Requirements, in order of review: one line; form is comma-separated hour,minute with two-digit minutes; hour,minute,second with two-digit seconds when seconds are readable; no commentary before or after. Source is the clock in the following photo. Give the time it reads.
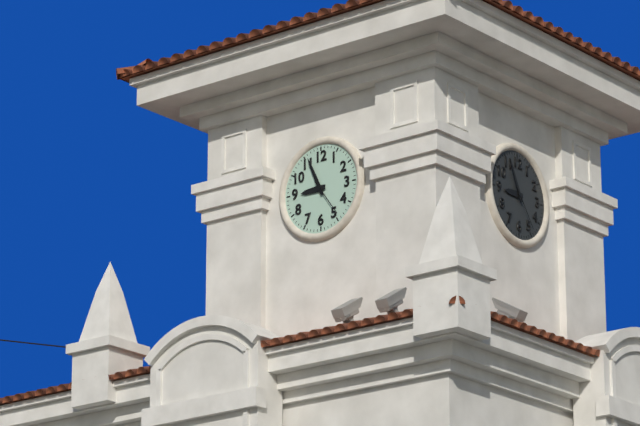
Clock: 8,56
